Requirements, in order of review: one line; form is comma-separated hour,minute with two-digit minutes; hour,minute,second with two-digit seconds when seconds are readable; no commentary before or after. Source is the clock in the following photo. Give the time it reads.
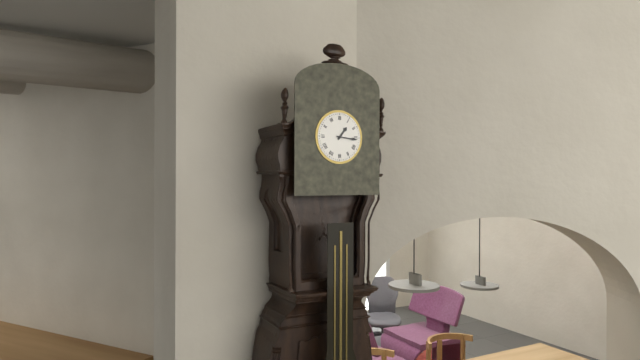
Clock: 1,16
